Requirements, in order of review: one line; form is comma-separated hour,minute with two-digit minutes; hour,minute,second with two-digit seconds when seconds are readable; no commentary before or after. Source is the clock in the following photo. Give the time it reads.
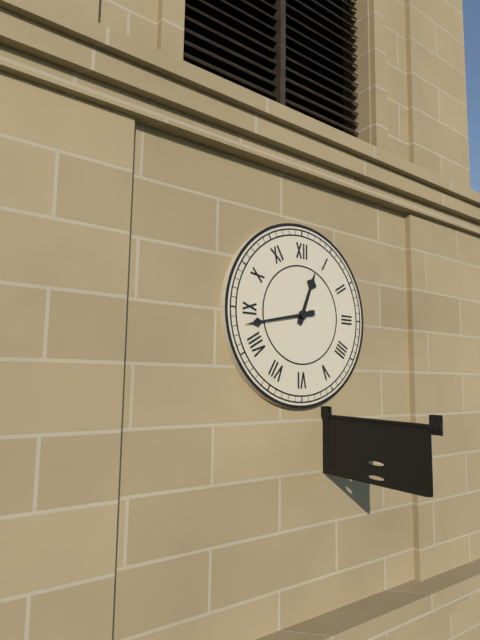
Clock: 12,43
